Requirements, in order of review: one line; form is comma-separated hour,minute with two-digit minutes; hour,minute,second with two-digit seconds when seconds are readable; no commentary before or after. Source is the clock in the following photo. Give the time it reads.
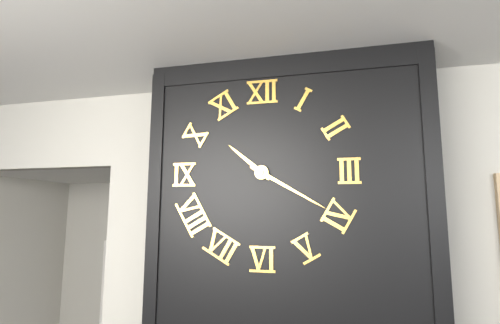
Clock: 10,20
